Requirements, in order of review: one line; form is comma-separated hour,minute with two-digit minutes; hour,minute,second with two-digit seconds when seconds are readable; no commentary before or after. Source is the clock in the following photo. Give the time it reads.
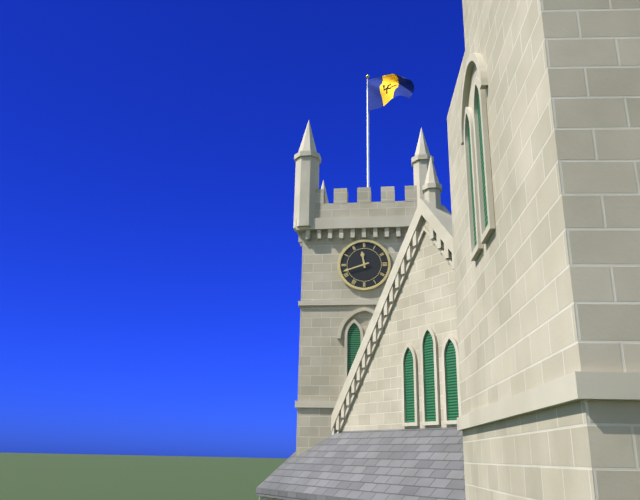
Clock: 11,42
